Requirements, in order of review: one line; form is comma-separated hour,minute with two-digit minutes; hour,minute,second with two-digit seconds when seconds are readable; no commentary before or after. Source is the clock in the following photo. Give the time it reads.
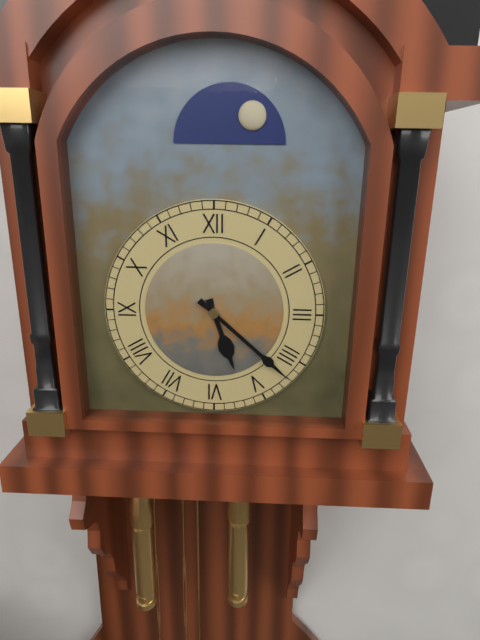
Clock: 5,22
